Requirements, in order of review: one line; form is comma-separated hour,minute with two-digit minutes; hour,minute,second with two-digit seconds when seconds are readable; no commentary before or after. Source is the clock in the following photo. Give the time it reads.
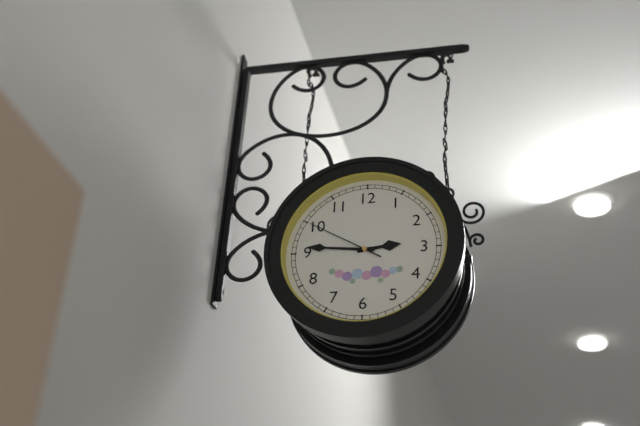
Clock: 2,46,50
